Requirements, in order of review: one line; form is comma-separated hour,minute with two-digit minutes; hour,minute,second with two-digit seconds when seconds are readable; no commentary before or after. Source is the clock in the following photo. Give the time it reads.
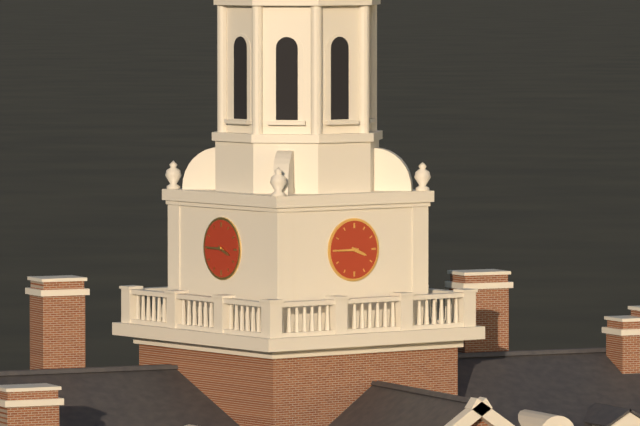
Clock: 3,45
